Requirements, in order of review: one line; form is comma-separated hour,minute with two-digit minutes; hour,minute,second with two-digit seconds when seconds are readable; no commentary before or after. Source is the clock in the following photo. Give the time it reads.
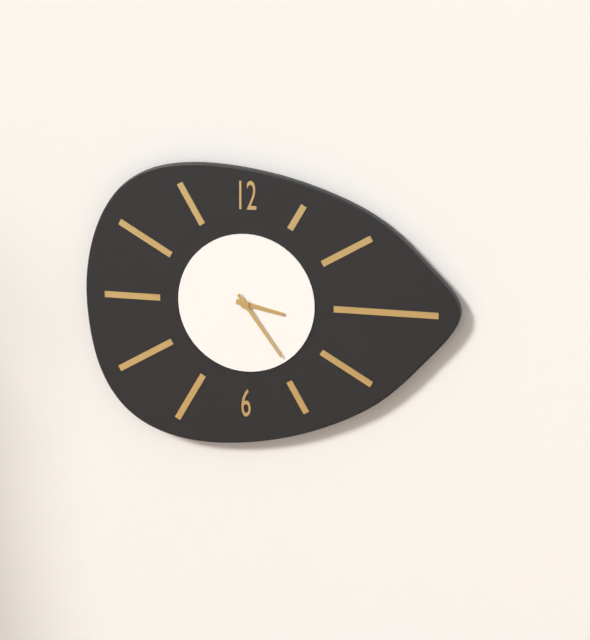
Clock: 3,24
